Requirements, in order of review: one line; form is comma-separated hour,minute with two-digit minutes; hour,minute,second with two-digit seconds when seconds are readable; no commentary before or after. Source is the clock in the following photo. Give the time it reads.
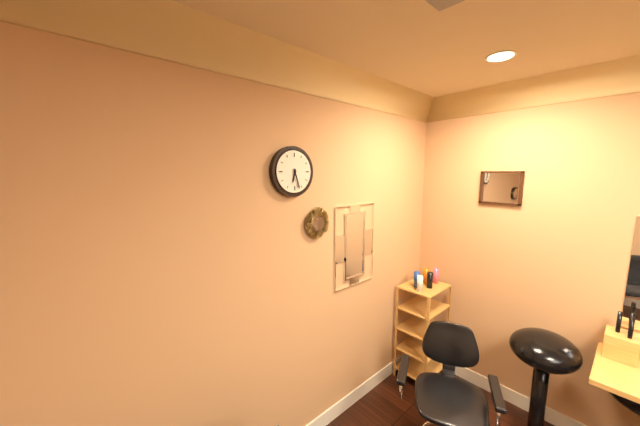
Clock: 6,27
